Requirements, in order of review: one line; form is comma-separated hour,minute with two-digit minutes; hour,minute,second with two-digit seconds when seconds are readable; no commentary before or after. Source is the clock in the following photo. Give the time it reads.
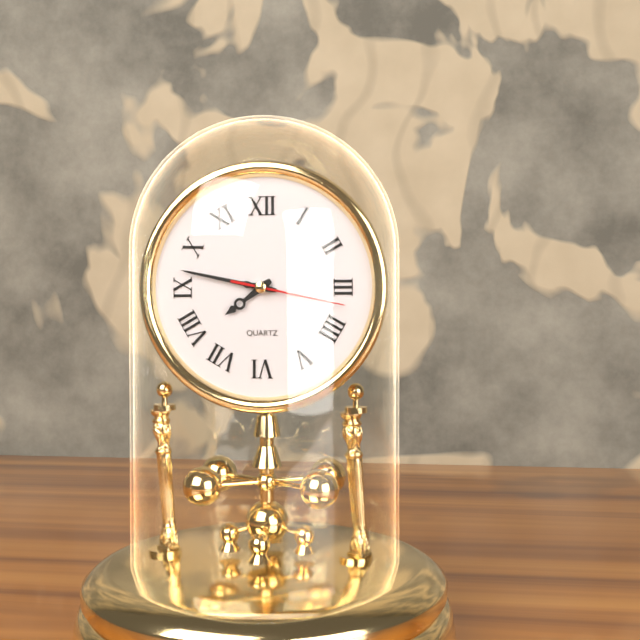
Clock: 7,47,17
